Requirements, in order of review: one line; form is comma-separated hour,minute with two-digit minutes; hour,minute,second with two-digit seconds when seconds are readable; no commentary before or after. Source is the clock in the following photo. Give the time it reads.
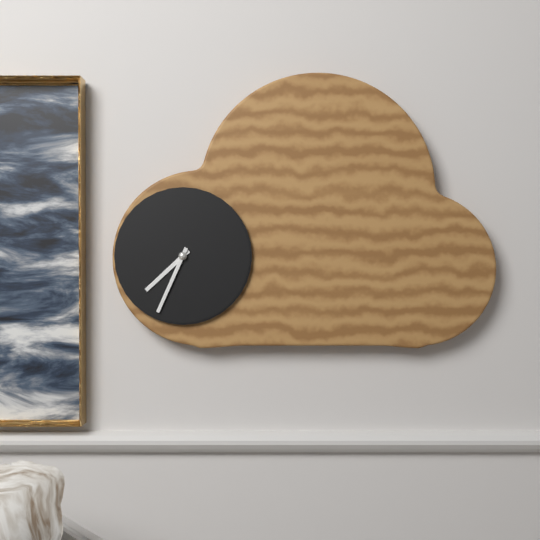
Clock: 7,34
